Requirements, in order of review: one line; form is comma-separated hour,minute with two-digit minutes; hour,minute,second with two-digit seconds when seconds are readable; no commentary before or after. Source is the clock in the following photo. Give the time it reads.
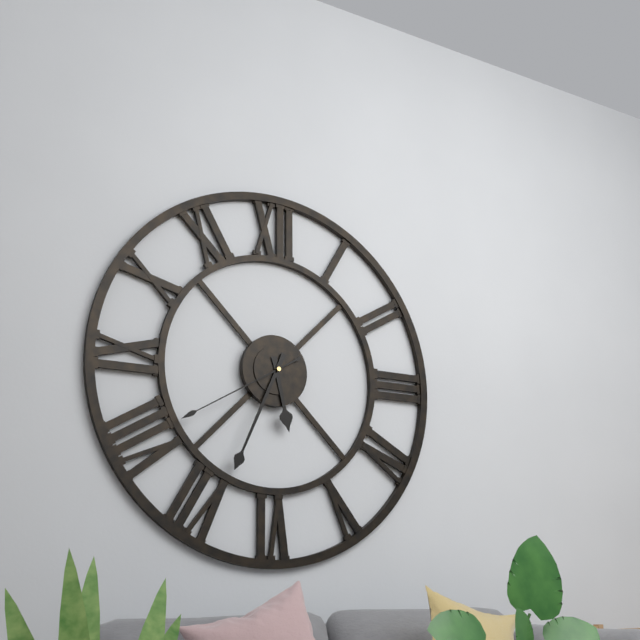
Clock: 5,34,40
